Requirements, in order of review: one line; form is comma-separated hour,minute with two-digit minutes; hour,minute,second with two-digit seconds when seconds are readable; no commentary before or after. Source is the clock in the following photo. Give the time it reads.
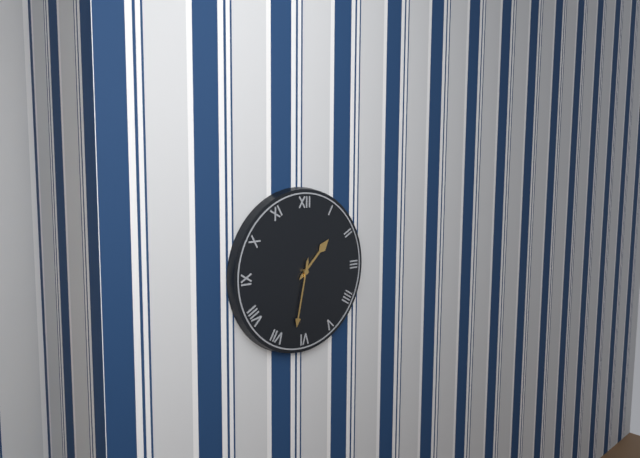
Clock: 1,32
